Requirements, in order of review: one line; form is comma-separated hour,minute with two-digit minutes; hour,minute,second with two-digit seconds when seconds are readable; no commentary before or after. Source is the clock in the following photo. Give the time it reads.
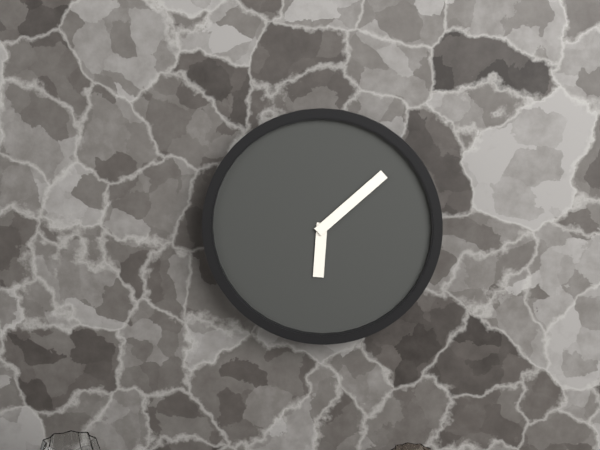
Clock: 6,08
